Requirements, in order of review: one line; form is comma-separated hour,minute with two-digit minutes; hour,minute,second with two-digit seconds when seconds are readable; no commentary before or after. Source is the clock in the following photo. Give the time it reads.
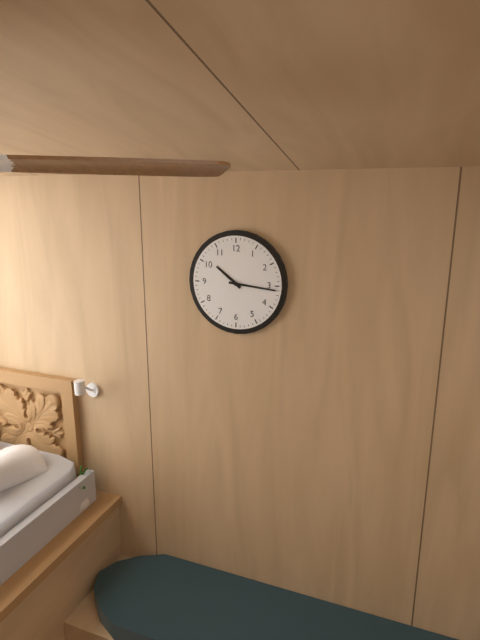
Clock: 10,16
